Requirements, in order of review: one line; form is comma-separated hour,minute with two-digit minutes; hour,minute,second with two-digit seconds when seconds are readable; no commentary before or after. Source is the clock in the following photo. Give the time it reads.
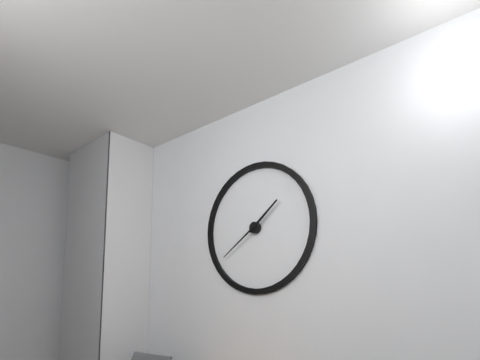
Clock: 1,39
